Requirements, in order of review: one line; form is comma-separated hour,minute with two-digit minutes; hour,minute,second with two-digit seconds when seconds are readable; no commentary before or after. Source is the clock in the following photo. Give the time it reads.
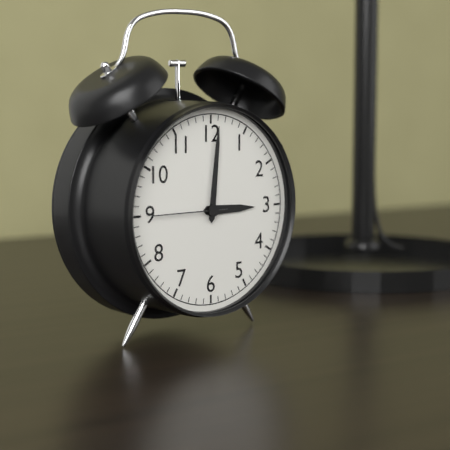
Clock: 3,01,45
